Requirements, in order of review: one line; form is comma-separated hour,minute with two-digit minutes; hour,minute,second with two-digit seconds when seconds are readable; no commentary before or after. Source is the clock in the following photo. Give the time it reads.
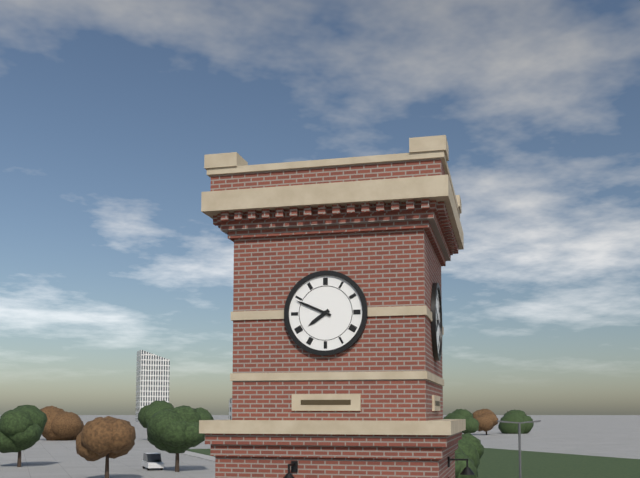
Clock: 7,49
